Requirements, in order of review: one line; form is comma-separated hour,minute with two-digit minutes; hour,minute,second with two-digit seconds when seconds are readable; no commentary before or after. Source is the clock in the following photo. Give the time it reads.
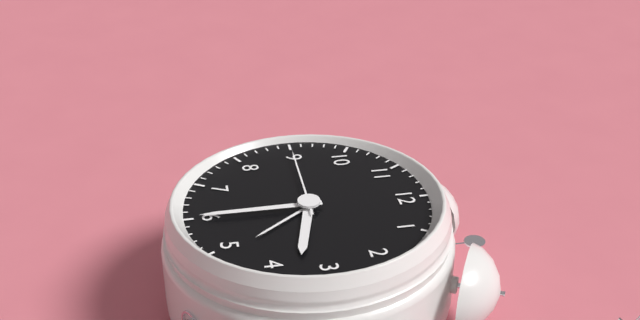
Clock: 3,30,45
